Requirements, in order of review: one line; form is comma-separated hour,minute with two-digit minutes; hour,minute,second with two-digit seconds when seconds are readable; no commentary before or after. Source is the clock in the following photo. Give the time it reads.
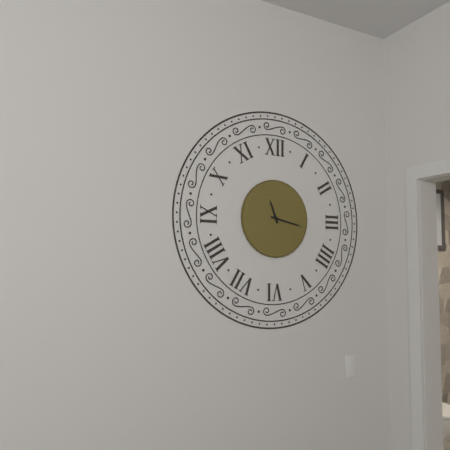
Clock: 11,17
